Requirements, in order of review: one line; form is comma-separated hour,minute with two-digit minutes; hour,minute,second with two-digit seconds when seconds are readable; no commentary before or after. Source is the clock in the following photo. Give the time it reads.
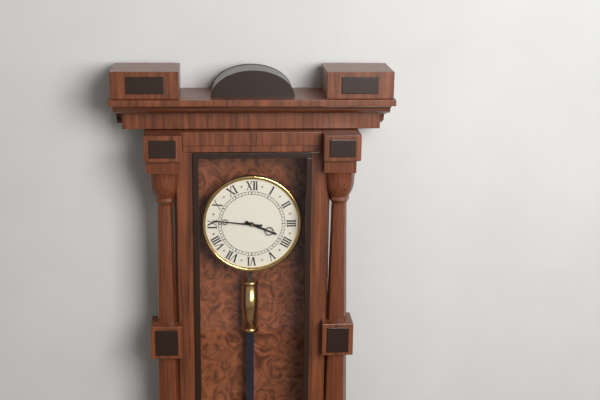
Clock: 3,46
